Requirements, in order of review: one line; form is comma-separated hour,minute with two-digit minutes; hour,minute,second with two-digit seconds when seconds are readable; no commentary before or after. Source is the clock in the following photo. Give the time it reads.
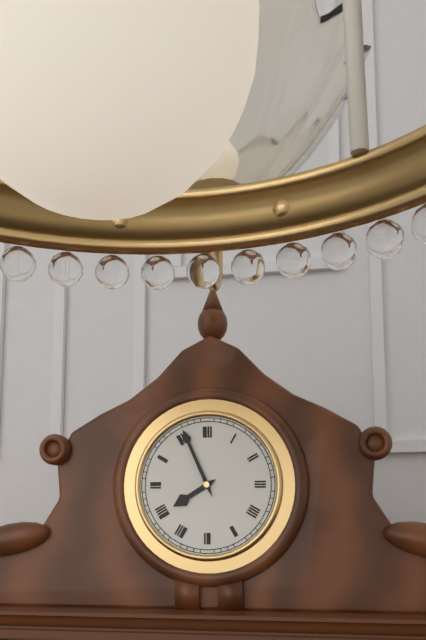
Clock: 7,56
